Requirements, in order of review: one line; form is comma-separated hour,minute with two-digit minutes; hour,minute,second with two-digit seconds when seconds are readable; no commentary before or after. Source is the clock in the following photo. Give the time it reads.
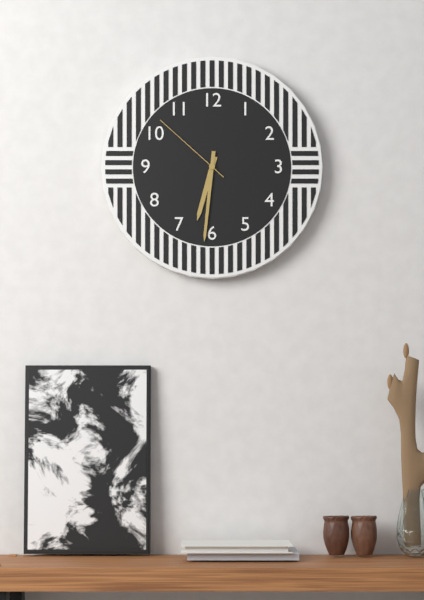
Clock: 6,31,52
